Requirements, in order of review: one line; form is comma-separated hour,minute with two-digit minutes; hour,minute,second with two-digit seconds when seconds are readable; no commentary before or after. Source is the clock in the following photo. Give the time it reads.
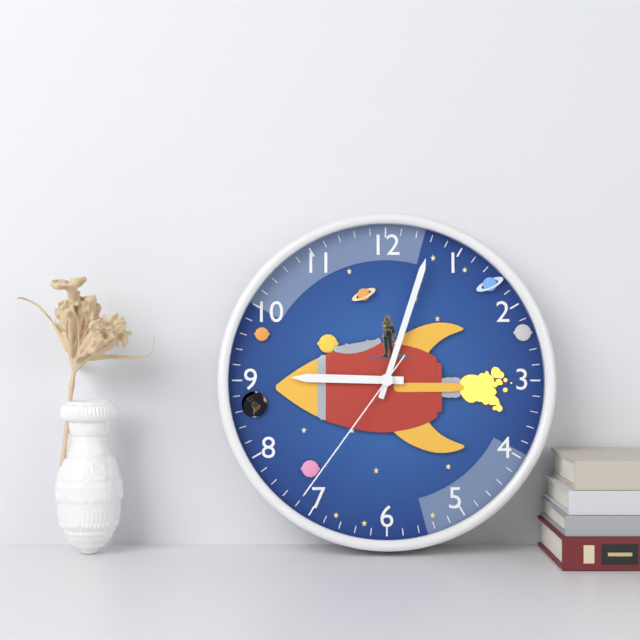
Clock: 9,03,36
